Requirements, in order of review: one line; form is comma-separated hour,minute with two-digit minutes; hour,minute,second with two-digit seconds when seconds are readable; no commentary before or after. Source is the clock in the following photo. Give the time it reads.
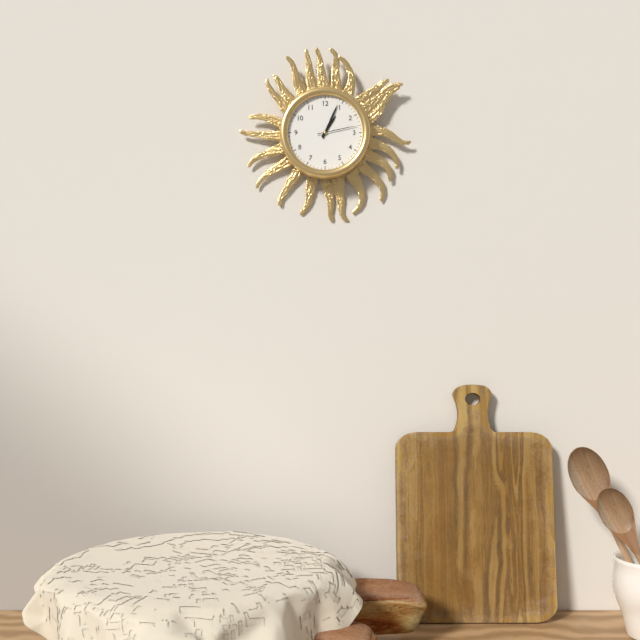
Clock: 1,04
